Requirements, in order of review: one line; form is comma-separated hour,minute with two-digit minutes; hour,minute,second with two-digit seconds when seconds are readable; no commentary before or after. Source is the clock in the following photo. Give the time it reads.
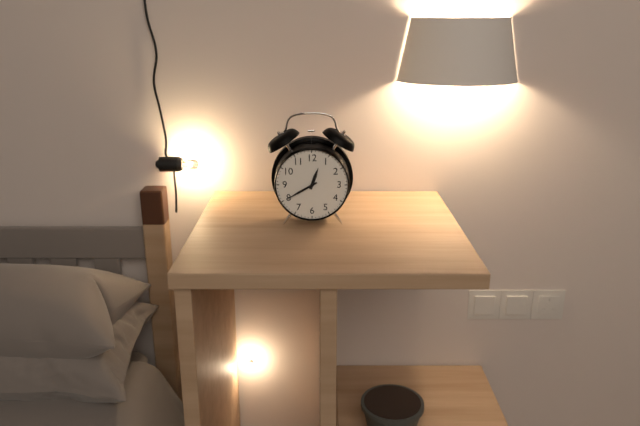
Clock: 12,40
